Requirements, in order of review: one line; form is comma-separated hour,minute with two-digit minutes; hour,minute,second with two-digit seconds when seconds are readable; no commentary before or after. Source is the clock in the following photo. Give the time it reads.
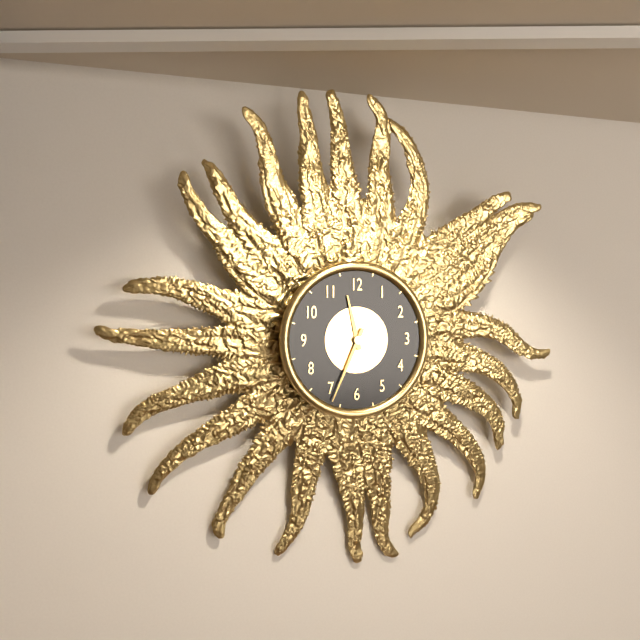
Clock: 11,34
